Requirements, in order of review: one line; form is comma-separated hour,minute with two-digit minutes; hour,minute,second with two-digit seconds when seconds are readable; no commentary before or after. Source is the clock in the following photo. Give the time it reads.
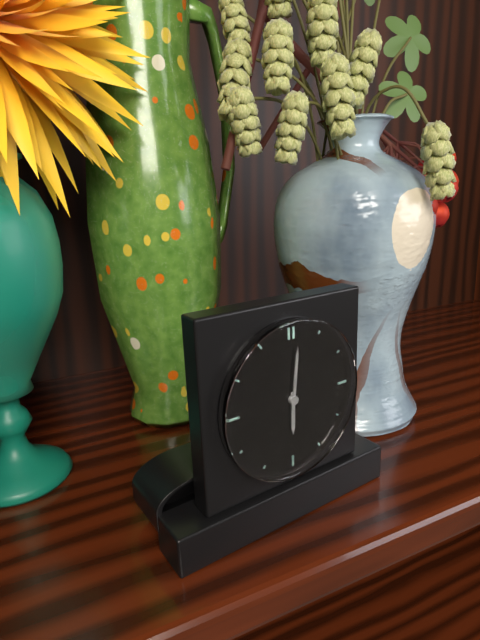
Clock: 6,01
